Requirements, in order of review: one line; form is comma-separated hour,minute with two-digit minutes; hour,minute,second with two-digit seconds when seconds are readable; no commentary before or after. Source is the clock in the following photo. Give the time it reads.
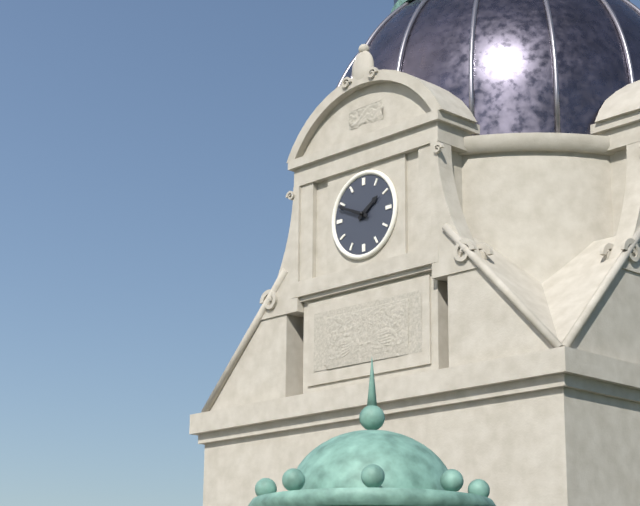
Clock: 1,49
